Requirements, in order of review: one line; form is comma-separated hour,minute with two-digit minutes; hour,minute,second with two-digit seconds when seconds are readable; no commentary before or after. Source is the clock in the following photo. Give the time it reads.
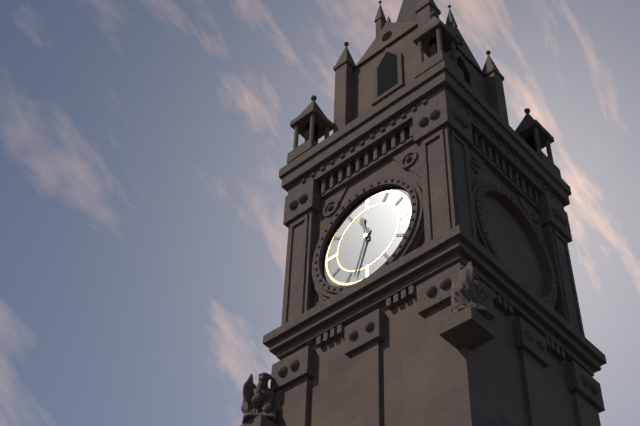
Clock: 11,33
